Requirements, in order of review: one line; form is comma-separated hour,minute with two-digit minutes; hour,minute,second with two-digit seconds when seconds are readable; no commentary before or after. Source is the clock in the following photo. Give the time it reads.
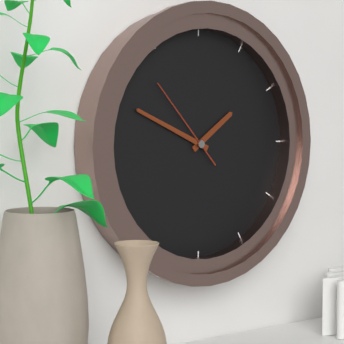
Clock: 1,49,53
